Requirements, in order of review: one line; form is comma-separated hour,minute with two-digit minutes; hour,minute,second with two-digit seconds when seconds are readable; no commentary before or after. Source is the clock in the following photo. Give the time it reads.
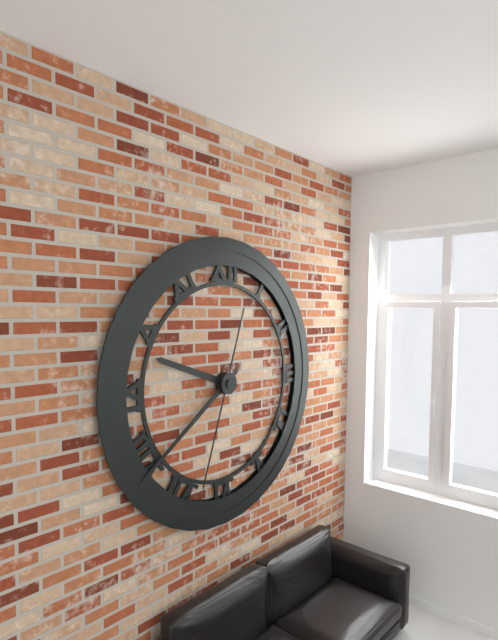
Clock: 9,39,33
